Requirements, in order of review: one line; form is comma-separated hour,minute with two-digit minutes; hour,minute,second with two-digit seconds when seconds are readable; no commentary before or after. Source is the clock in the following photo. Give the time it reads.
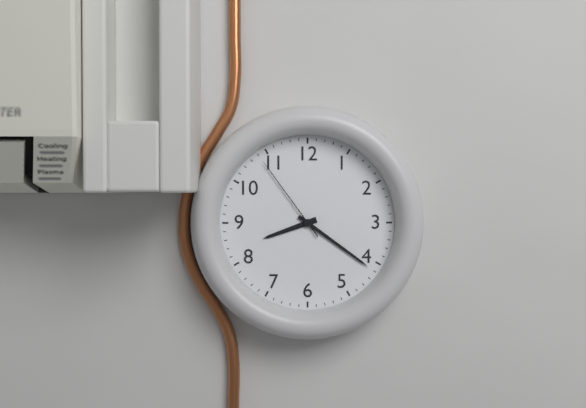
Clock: 8,21,54
